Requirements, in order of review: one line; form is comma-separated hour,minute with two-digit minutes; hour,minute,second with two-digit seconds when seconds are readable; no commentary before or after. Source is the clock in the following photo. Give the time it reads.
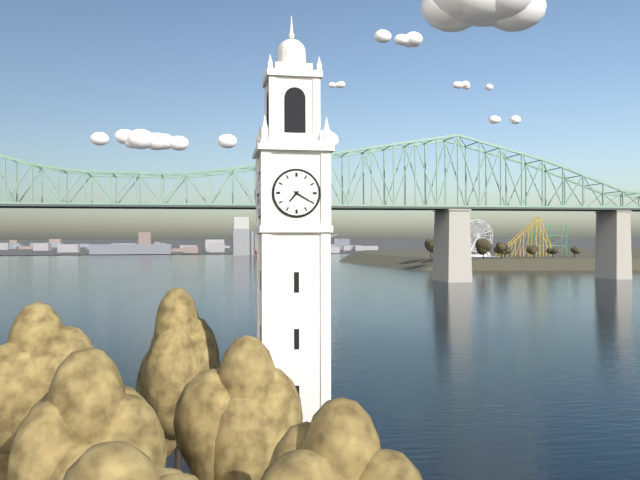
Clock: 7,20
